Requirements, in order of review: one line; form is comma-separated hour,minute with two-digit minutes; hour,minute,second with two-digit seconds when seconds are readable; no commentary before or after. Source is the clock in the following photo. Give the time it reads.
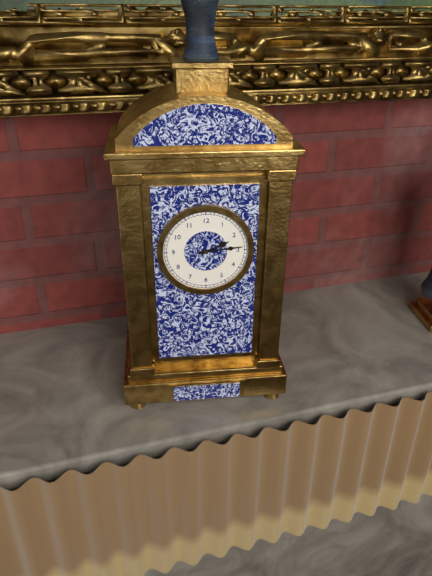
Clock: 2,14
